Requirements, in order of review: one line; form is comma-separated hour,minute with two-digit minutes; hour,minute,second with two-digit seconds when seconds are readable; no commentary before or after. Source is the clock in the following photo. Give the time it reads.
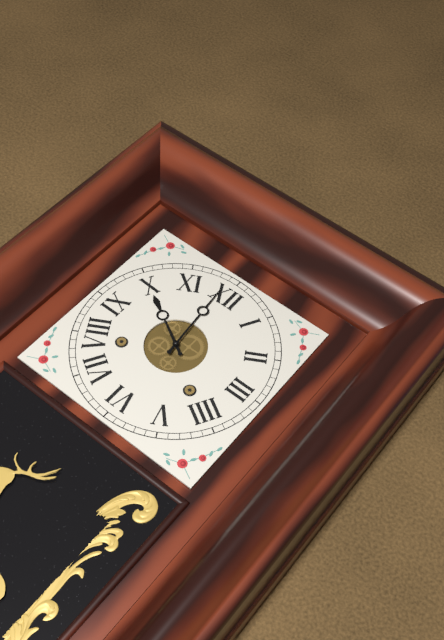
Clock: 9,59
